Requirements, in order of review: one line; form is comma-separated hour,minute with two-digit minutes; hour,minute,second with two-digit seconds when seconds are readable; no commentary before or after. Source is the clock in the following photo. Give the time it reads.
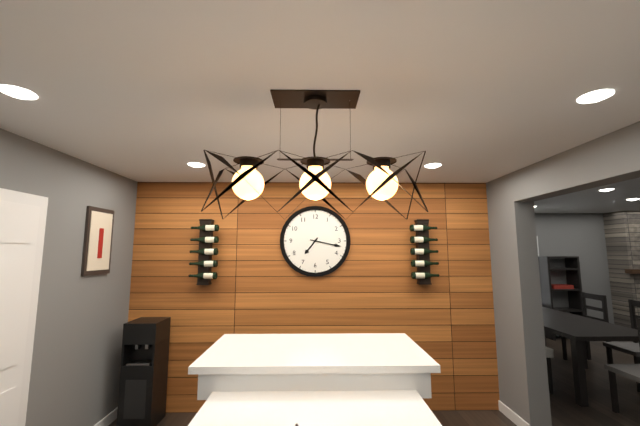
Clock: 7,17
